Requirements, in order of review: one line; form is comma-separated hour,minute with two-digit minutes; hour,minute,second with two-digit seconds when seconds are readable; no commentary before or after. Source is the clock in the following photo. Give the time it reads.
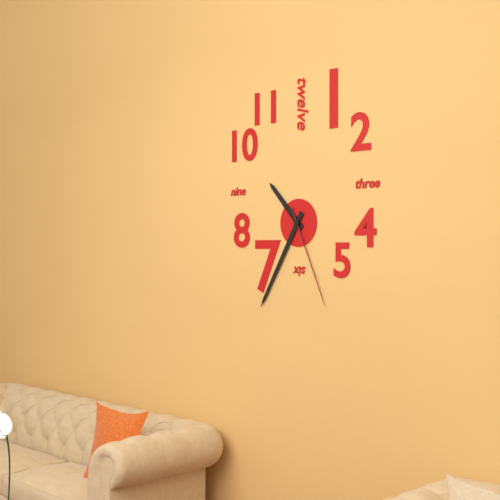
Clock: 10,35,26
